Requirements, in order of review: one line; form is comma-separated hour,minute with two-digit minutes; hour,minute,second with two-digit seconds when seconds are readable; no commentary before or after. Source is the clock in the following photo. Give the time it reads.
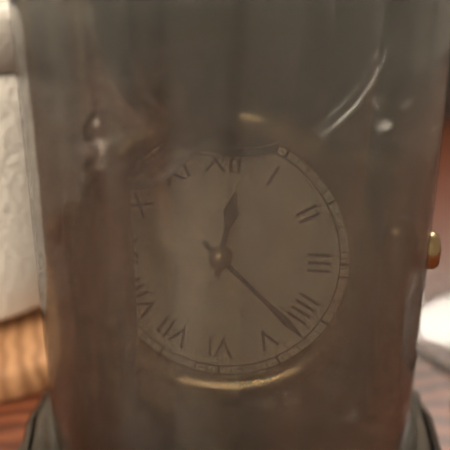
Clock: 12,22
